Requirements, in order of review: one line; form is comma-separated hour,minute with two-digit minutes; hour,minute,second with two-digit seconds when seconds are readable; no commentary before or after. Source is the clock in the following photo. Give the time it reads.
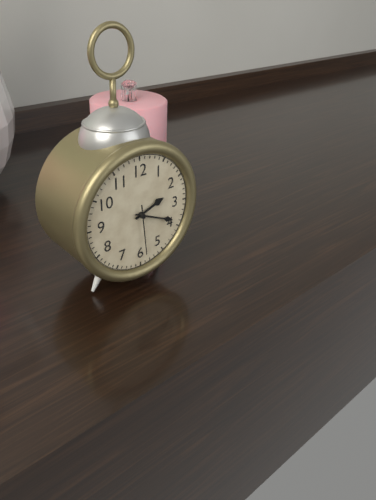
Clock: 2,19
